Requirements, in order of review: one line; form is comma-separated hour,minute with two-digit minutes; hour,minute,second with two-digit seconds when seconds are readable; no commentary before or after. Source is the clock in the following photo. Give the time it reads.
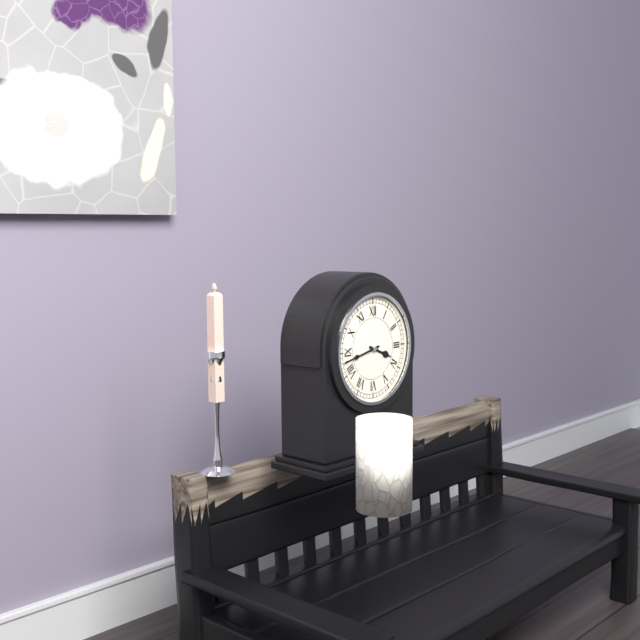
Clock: 3,43
